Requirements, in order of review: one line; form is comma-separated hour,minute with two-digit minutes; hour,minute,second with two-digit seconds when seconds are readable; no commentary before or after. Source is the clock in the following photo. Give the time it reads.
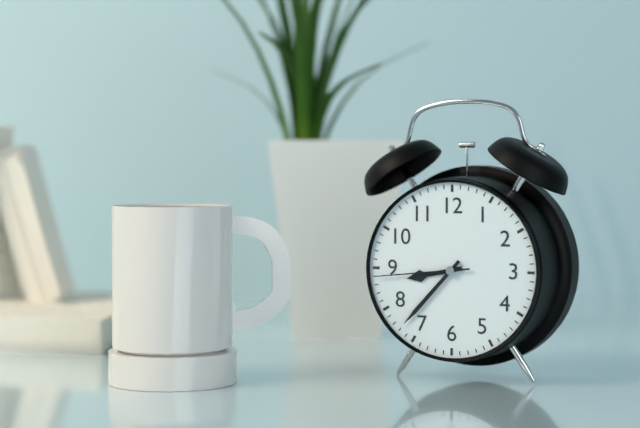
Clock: 8,37,44
